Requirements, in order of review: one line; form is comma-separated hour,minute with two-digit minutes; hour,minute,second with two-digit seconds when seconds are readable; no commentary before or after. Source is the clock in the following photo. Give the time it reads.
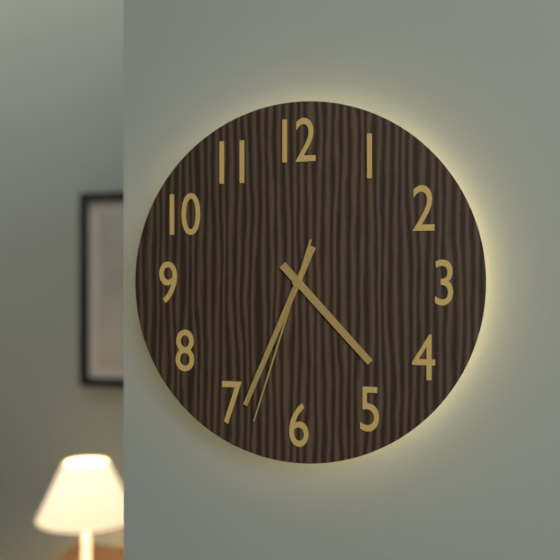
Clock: 4,34,33
